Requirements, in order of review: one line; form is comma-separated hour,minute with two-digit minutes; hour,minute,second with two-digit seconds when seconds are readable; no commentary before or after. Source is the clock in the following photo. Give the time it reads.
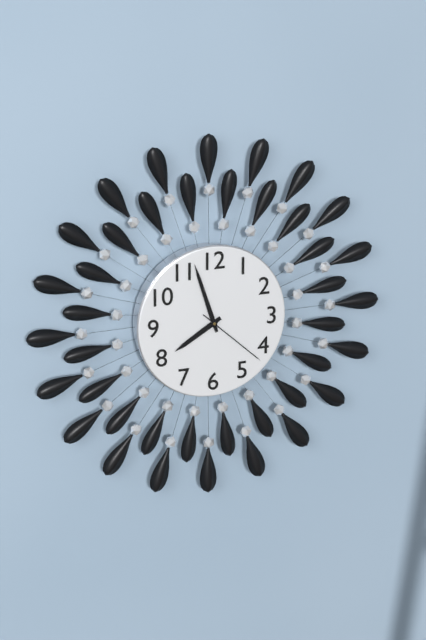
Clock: 7,57,22
